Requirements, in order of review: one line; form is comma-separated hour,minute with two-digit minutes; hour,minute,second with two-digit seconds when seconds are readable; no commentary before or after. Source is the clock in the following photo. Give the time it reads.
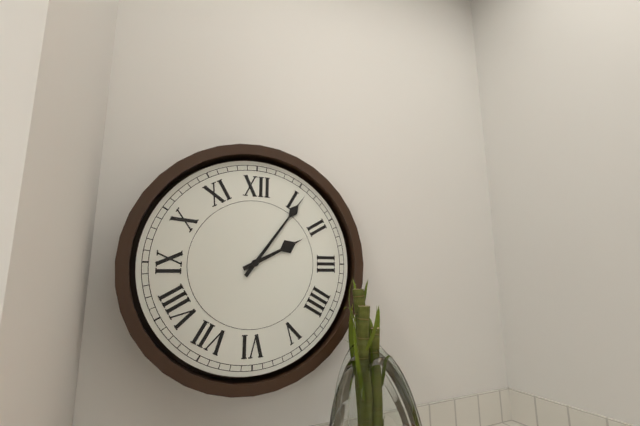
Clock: 2,06
